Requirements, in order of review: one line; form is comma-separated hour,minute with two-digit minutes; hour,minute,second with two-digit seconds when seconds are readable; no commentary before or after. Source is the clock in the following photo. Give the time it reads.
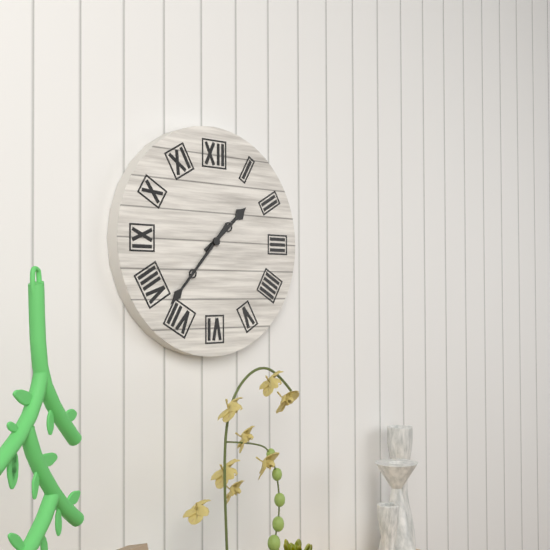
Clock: 1,37
